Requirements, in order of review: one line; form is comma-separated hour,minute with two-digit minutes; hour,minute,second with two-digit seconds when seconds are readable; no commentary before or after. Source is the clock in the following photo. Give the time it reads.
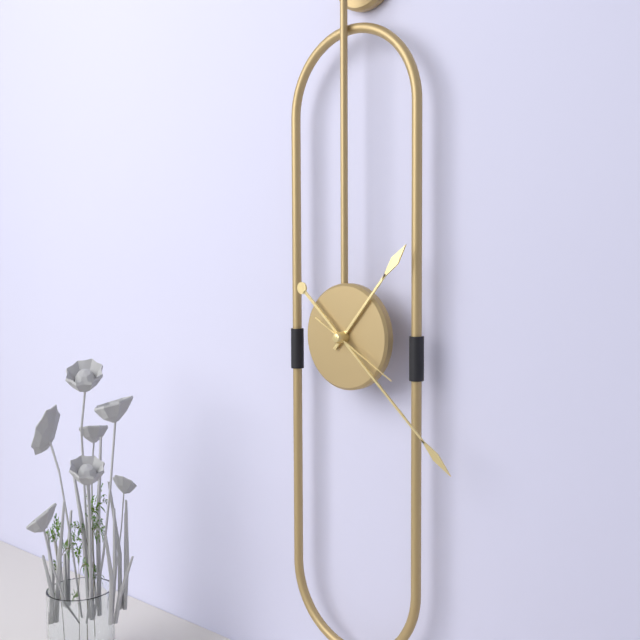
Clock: 1,22,20
